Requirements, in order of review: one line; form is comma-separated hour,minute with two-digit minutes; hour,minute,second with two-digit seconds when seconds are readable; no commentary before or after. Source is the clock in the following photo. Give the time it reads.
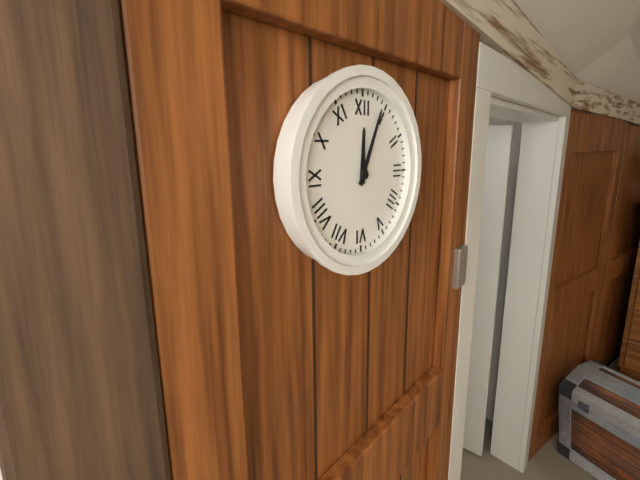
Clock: 12,04
